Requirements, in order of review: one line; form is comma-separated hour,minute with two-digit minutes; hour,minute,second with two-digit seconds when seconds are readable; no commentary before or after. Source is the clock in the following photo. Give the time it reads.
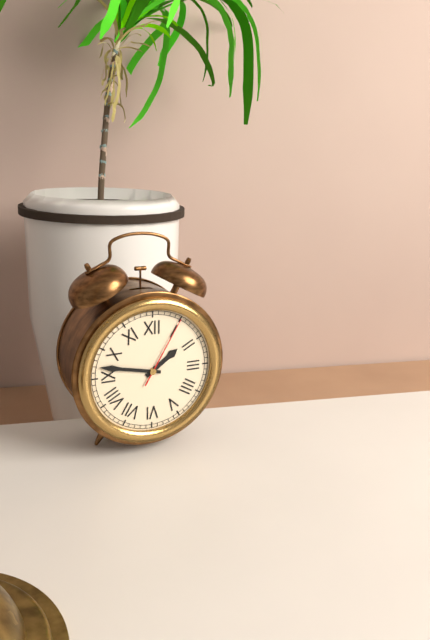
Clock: 1,47,05
